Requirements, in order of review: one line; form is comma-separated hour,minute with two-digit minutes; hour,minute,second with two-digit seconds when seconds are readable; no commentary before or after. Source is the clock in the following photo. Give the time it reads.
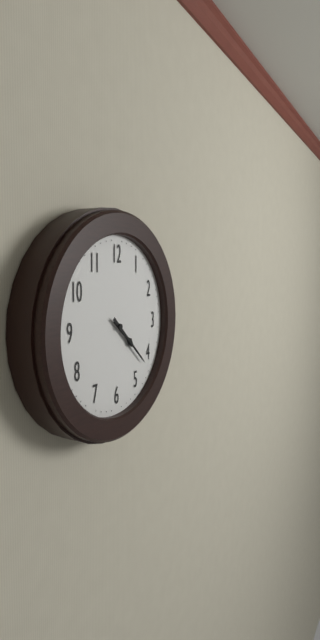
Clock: 4,22
